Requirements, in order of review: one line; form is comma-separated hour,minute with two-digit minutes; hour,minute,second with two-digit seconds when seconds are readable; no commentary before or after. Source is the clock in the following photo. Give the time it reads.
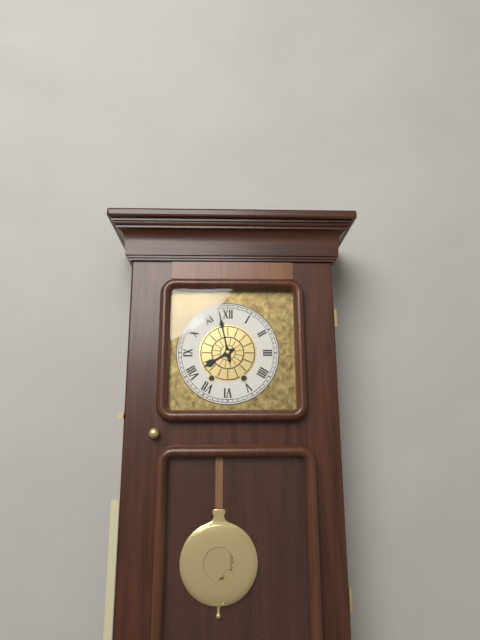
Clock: 7,58
